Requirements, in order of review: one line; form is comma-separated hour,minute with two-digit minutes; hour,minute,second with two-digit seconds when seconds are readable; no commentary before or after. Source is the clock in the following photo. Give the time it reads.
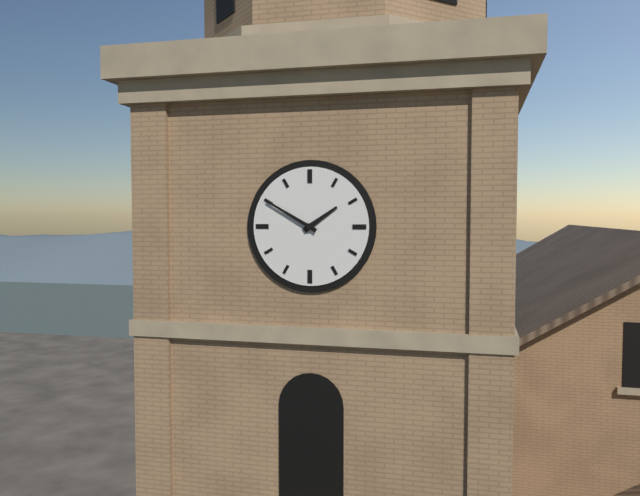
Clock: 1,50
